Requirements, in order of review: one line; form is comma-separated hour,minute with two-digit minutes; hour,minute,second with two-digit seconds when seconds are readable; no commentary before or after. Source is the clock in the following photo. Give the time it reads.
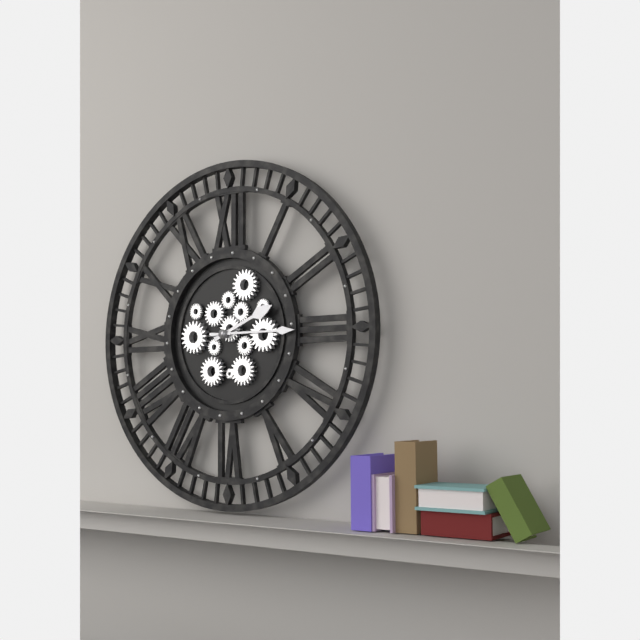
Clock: 2,15
